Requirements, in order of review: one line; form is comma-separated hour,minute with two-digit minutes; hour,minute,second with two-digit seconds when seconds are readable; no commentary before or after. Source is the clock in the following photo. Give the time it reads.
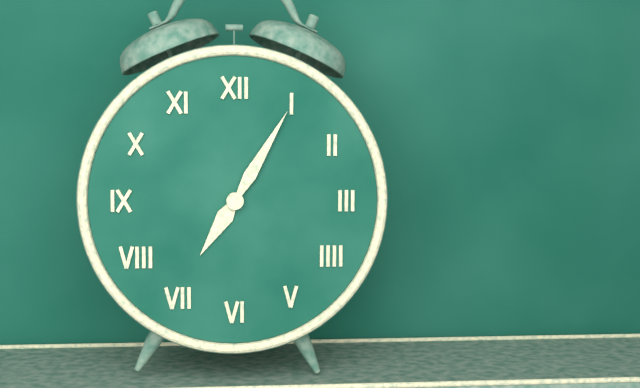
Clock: 7,05
